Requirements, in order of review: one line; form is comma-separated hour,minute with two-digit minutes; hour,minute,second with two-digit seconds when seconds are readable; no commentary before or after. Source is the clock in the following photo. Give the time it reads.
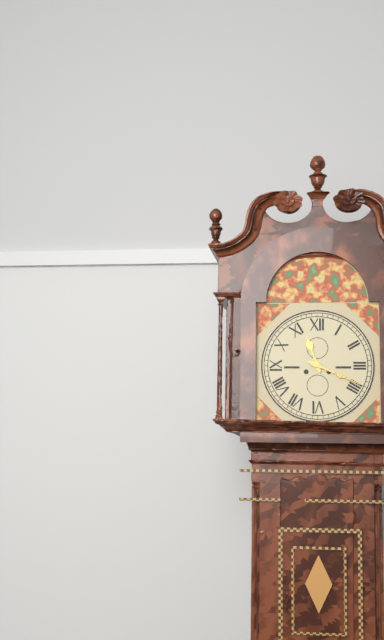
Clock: 11,19
